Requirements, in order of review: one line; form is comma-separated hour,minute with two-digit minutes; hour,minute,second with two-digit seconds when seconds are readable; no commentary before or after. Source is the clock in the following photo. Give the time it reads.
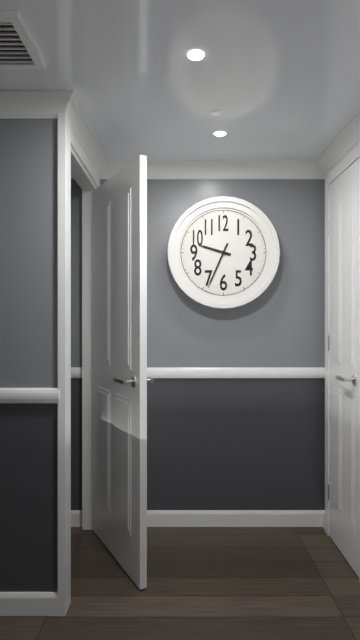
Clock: 9,34
